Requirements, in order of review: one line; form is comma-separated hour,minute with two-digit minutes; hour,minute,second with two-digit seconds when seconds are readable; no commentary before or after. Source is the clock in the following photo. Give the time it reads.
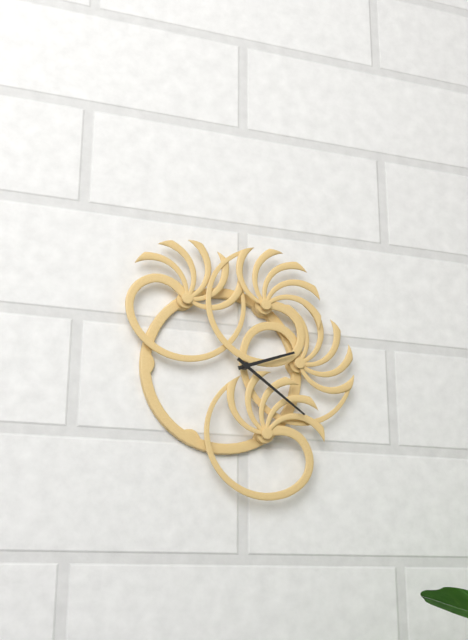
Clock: 2,21
